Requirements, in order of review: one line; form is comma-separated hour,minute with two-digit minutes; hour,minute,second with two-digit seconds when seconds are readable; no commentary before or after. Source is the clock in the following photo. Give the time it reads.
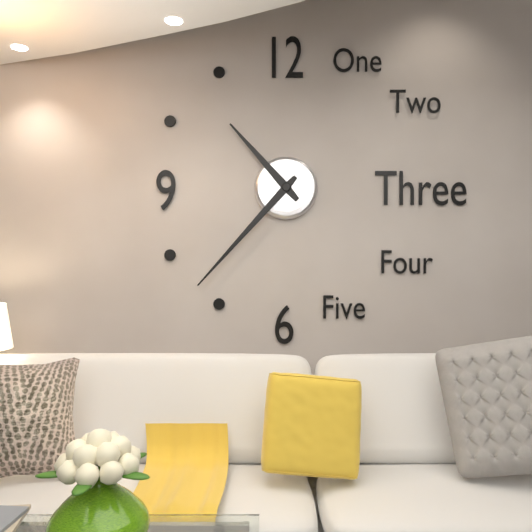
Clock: 10,37
